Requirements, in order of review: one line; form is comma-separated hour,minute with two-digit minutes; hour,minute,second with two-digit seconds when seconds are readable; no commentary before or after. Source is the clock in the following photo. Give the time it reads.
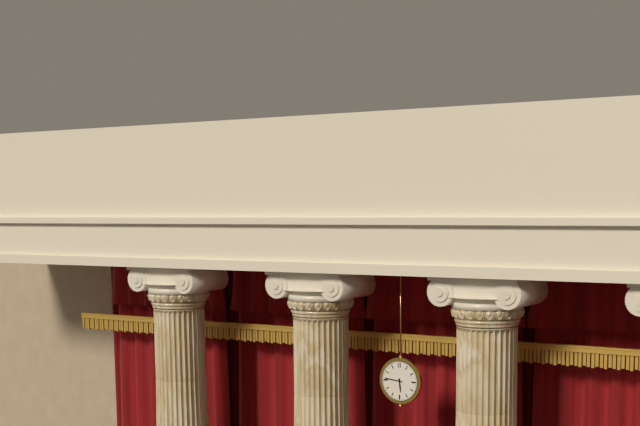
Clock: 5,46
